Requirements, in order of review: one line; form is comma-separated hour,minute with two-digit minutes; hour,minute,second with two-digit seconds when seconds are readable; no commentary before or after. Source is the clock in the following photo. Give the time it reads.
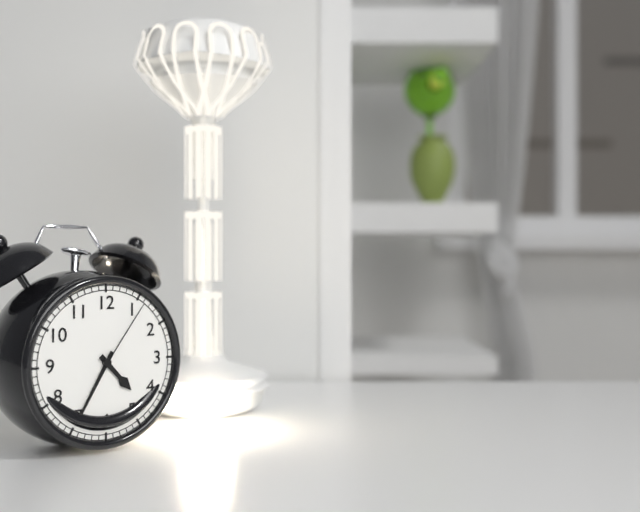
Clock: 4,35,06
